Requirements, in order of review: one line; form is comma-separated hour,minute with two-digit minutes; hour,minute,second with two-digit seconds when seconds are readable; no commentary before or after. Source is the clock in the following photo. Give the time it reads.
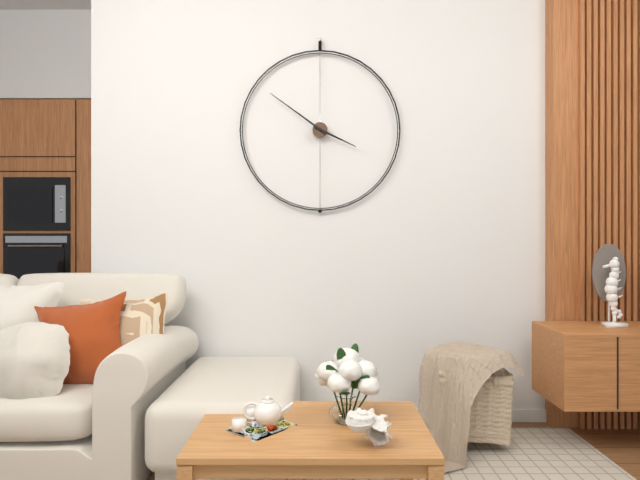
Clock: 3,51
